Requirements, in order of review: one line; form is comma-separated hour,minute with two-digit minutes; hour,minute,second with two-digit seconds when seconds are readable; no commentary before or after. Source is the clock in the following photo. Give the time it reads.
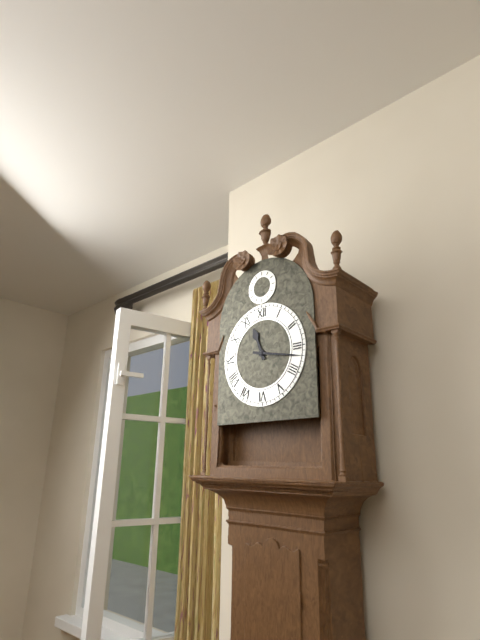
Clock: 11,17
